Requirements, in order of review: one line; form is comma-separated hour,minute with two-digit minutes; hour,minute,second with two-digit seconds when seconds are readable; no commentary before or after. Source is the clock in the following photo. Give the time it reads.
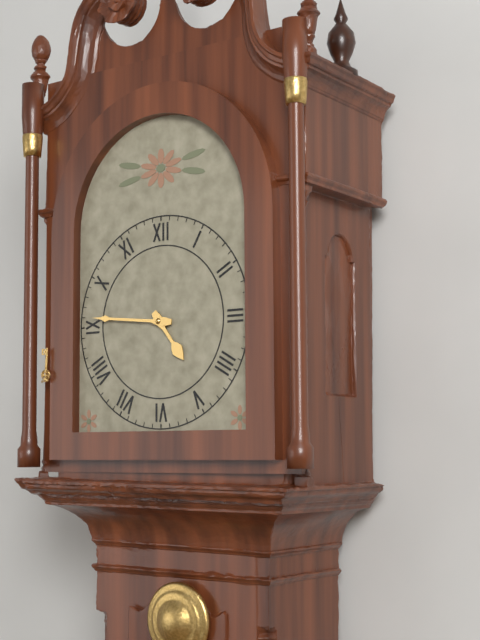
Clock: 4,46
